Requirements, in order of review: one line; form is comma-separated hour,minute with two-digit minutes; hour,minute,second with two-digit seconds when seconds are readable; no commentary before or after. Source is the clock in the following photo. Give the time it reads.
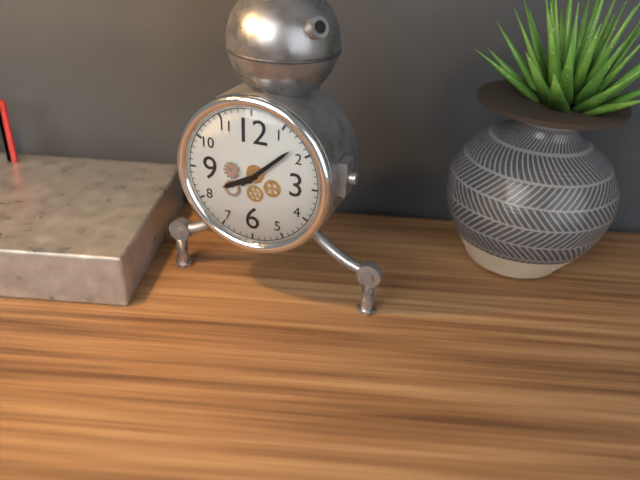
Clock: 8,08
